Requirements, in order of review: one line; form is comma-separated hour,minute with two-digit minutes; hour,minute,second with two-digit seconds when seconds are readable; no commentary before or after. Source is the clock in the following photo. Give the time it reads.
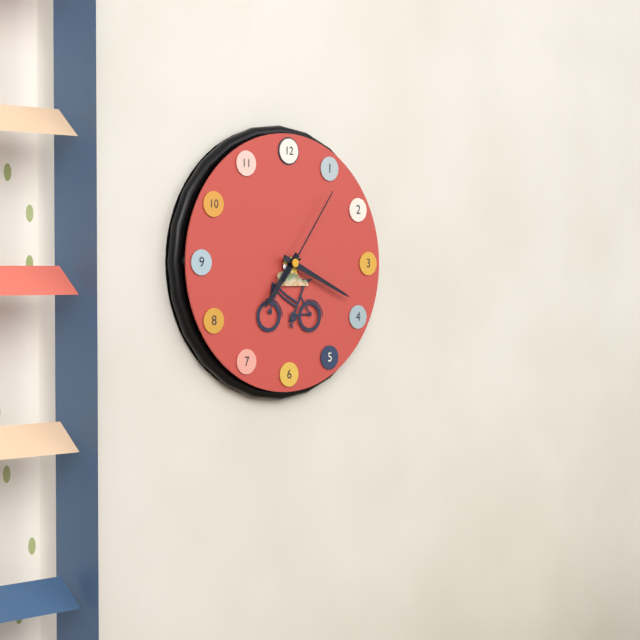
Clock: 7,19,06
